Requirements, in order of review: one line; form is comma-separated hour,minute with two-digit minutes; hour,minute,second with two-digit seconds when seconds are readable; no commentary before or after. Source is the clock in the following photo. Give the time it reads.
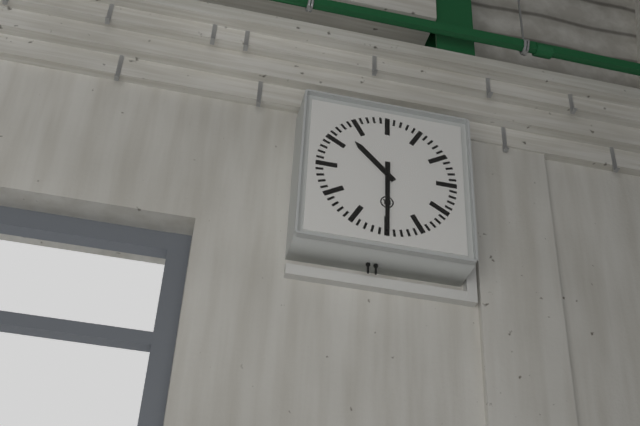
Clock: 10,30
